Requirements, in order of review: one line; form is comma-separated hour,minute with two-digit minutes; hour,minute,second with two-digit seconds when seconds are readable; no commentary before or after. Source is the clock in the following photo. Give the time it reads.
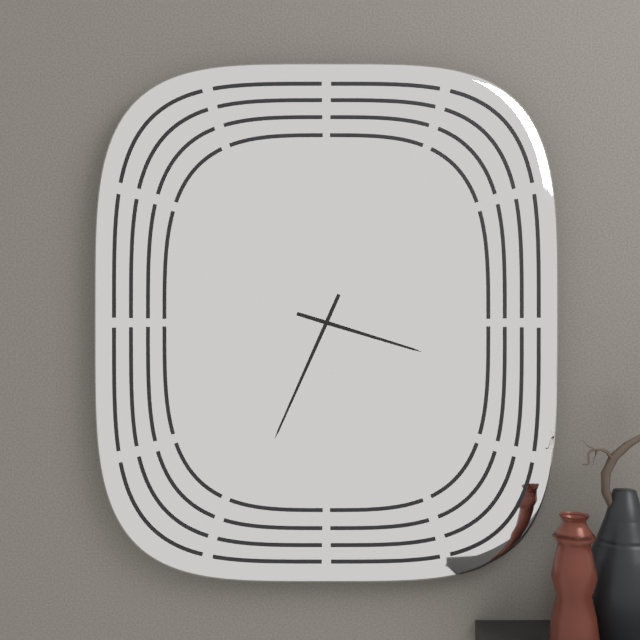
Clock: 3,34
